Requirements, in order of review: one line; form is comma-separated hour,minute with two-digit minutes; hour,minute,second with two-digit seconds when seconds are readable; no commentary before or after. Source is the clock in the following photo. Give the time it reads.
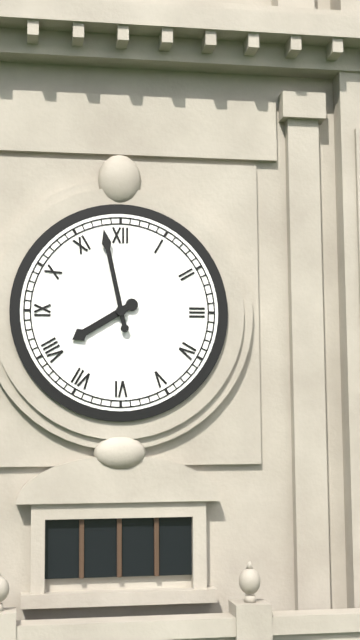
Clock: 7,58
